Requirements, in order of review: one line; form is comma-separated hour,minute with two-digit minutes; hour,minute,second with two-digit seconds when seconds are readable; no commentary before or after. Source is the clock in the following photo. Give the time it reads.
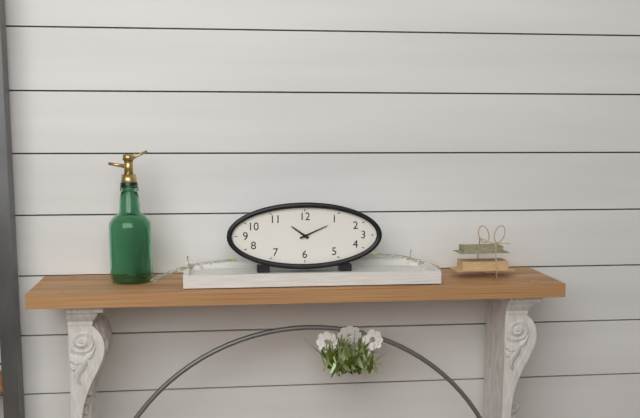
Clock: 10,11
